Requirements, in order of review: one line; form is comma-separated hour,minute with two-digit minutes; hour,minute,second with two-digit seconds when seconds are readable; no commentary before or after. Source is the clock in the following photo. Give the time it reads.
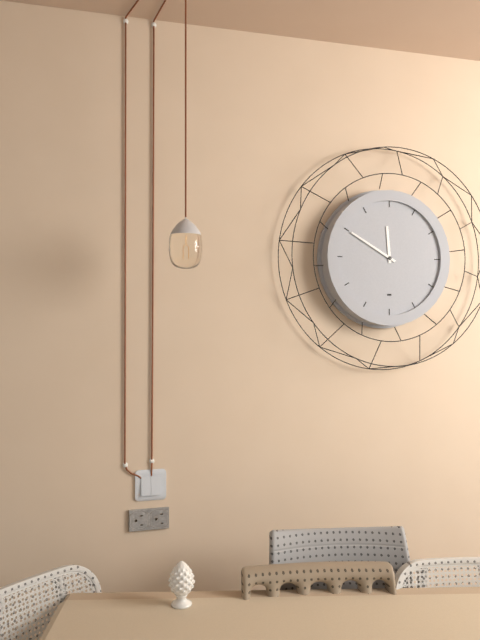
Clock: 11,50
